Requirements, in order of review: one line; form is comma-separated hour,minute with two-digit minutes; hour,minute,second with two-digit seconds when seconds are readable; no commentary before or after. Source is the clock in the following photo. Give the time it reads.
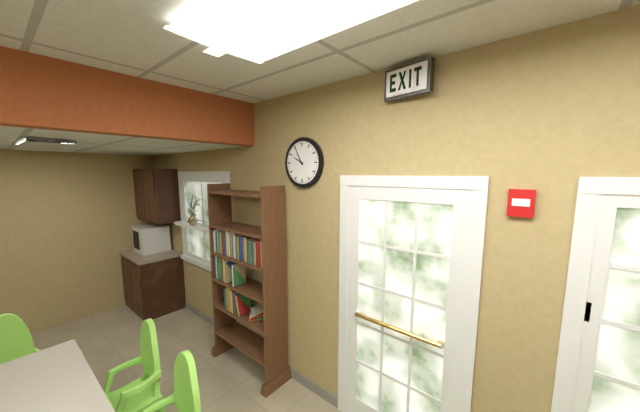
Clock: 9,55
